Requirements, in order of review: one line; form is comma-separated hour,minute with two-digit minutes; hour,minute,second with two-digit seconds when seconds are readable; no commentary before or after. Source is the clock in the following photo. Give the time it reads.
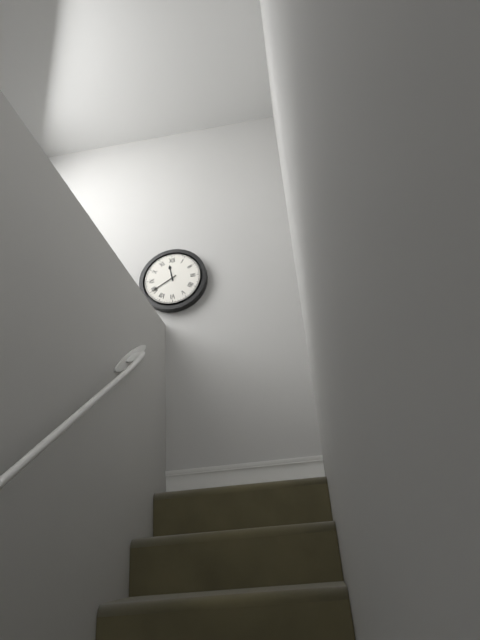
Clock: 11,40
